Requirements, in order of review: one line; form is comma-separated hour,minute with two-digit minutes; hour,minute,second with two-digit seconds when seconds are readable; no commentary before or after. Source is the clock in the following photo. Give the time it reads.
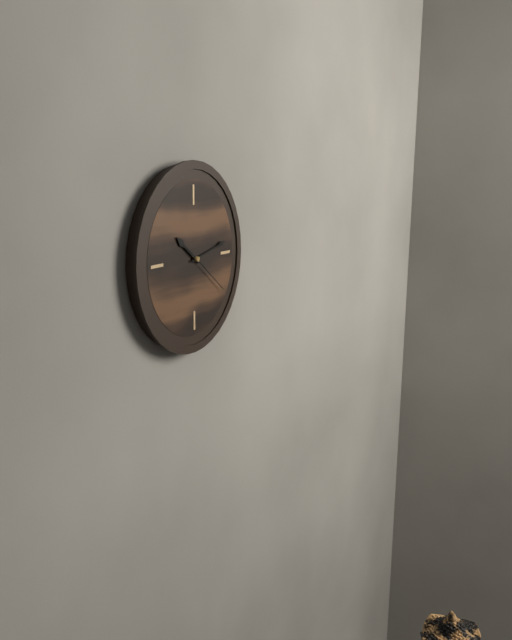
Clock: 10,13,21
